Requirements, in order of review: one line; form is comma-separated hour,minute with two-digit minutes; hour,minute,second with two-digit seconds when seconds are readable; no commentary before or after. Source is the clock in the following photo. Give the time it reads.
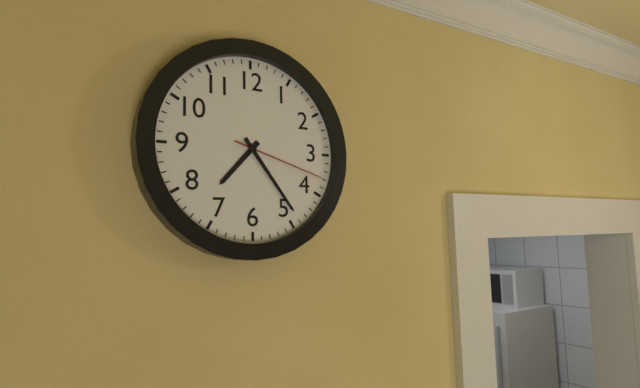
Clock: 7,24,18
